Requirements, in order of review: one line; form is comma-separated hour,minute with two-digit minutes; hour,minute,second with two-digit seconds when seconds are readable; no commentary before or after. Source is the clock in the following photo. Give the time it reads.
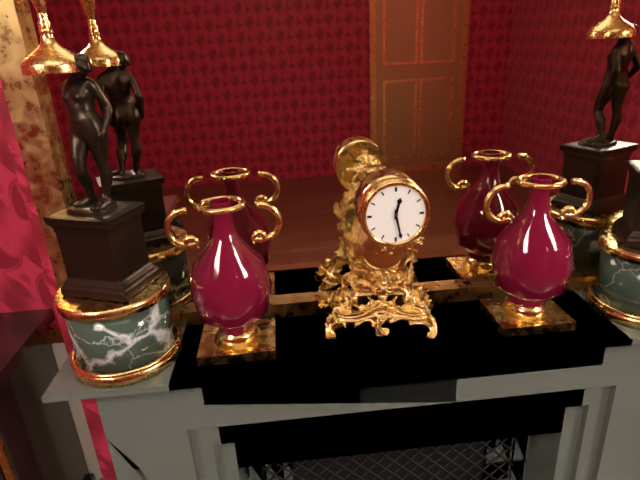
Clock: 12,28
